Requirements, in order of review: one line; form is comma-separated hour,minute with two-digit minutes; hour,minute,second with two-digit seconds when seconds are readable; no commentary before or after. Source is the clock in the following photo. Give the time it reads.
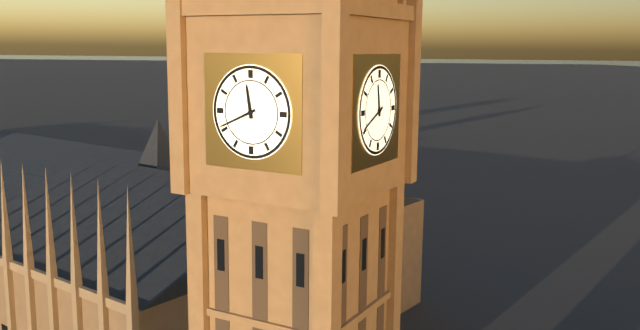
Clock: 11,41
